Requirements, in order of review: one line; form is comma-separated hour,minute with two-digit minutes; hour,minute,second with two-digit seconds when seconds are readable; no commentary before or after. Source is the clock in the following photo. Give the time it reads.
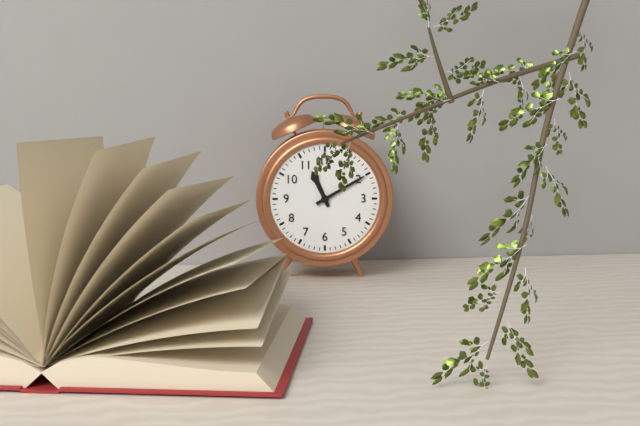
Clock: 11,10
